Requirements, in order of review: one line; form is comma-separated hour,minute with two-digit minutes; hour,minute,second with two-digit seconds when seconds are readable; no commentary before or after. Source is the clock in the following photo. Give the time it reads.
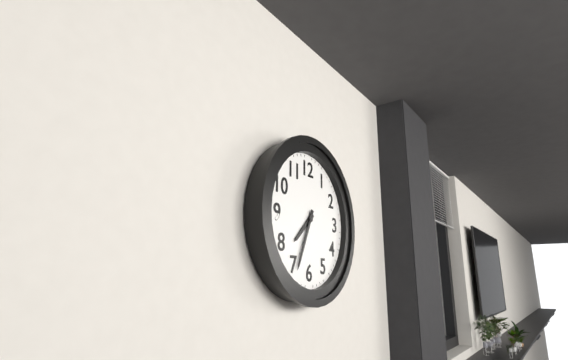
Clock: 7,34
